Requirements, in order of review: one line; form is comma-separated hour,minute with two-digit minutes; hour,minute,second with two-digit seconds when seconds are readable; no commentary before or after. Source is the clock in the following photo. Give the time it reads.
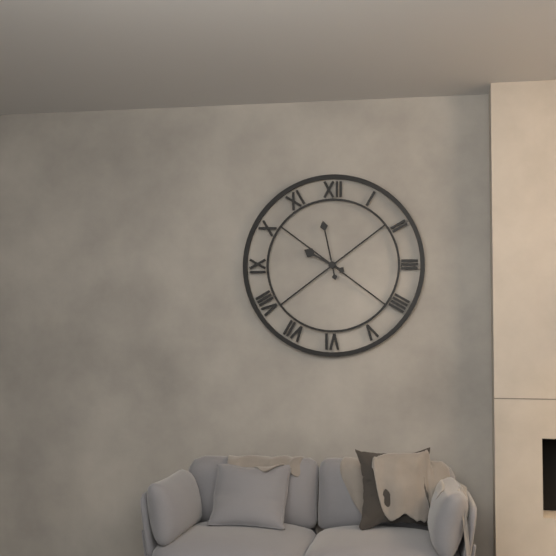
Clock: 9,58
